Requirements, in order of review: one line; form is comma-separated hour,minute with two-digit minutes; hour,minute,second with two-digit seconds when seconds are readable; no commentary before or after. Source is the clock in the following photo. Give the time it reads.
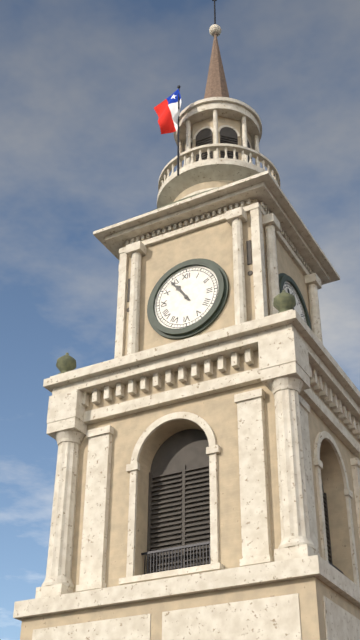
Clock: 10,54
